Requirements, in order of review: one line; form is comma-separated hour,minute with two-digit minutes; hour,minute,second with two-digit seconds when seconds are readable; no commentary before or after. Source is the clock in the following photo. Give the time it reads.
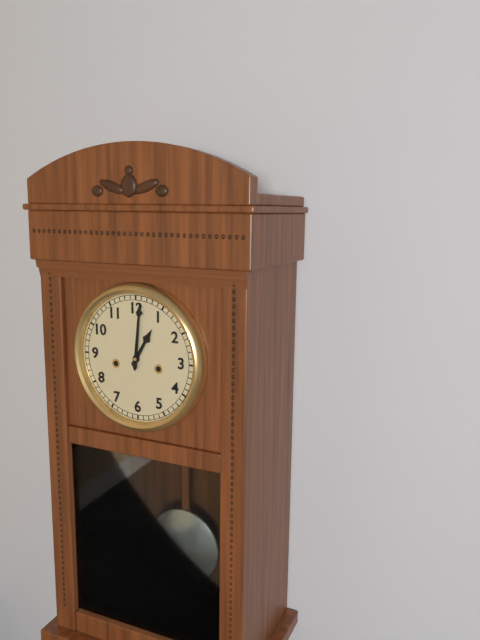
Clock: 1,01
